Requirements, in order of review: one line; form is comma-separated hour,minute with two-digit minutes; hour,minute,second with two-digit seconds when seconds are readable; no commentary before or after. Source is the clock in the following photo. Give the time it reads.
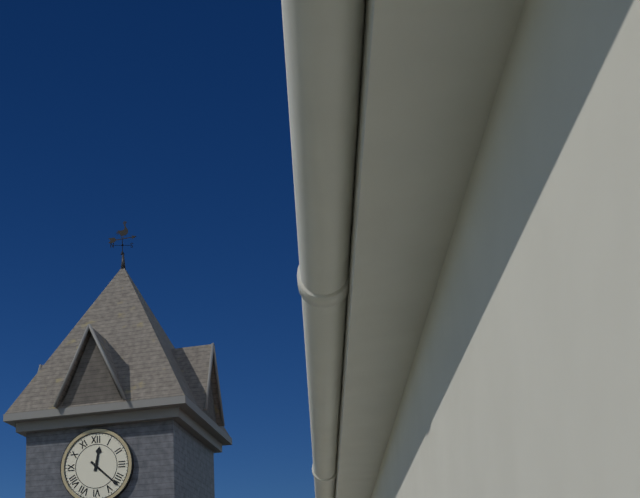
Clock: 12,22
